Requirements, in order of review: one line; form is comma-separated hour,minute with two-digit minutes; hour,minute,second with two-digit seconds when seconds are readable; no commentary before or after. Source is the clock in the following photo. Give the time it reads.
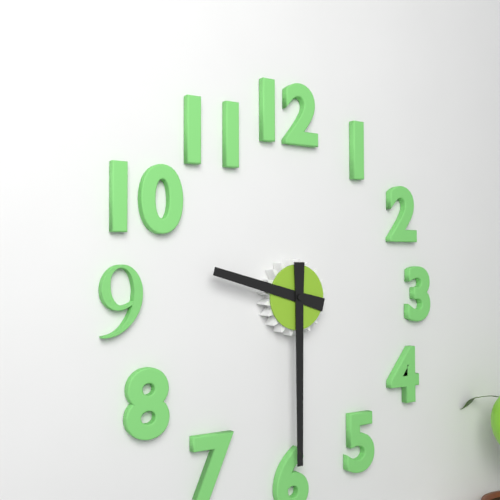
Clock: 9,30
